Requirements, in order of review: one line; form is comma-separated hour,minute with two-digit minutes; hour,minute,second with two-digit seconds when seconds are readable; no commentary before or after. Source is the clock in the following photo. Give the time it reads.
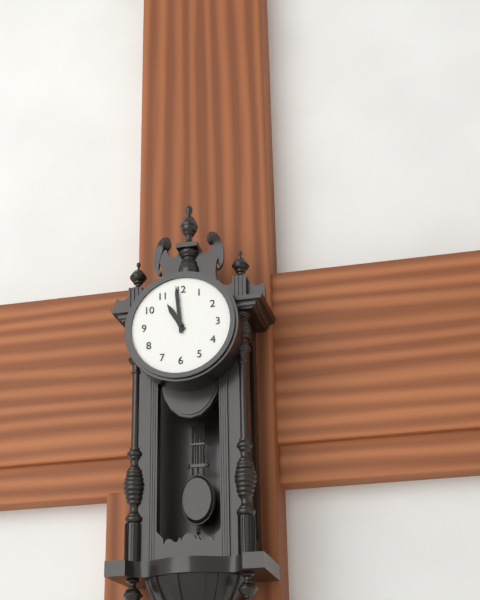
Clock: 10,59
